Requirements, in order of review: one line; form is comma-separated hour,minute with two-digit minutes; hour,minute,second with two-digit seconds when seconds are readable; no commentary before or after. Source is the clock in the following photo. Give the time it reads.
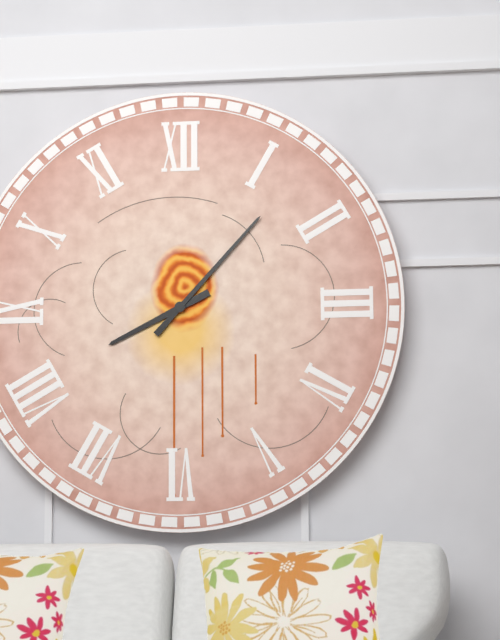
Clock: 8,07
